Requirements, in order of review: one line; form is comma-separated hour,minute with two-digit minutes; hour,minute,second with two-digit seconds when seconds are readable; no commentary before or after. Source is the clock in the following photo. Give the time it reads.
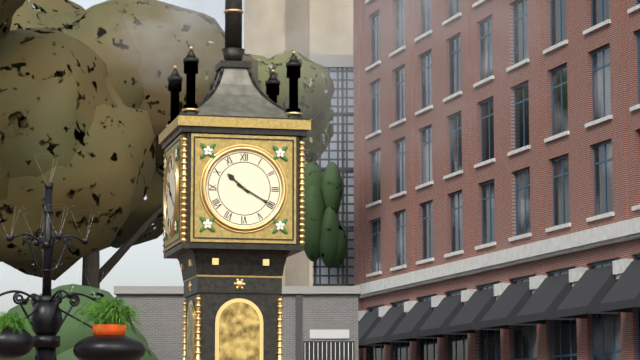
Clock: 10,20
